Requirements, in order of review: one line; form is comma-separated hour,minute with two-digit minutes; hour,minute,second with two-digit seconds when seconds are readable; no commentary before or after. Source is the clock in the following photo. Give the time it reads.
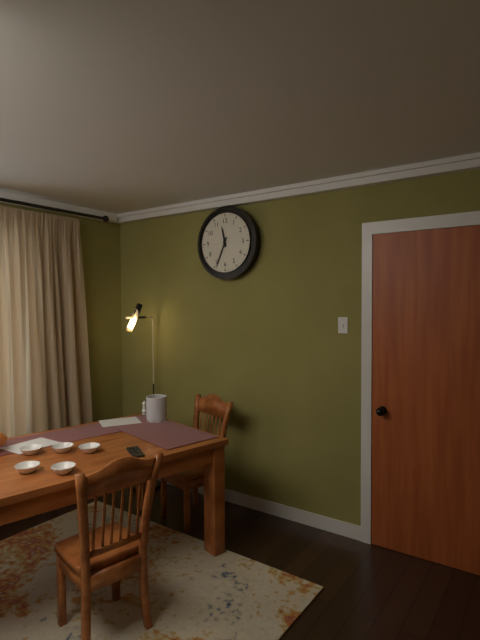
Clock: 11,34
